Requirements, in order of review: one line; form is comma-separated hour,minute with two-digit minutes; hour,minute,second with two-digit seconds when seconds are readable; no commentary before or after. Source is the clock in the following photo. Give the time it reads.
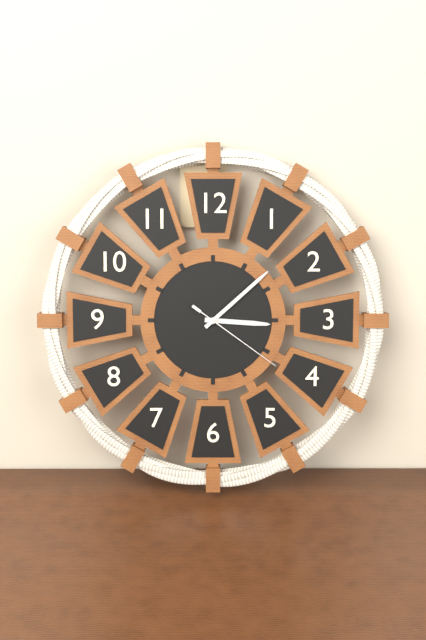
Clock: 3,08,21
